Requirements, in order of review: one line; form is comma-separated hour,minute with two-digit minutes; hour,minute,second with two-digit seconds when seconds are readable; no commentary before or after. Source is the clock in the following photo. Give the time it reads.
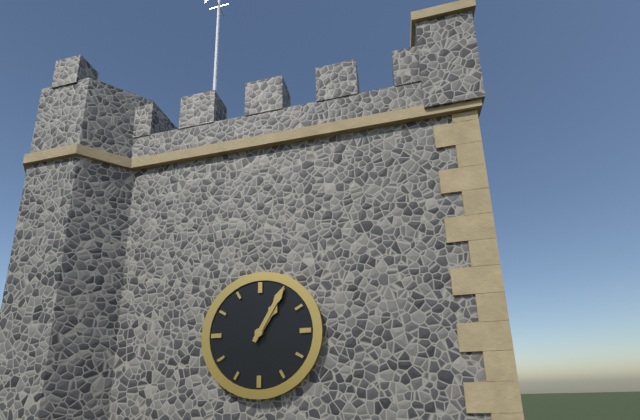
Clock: 1,05
